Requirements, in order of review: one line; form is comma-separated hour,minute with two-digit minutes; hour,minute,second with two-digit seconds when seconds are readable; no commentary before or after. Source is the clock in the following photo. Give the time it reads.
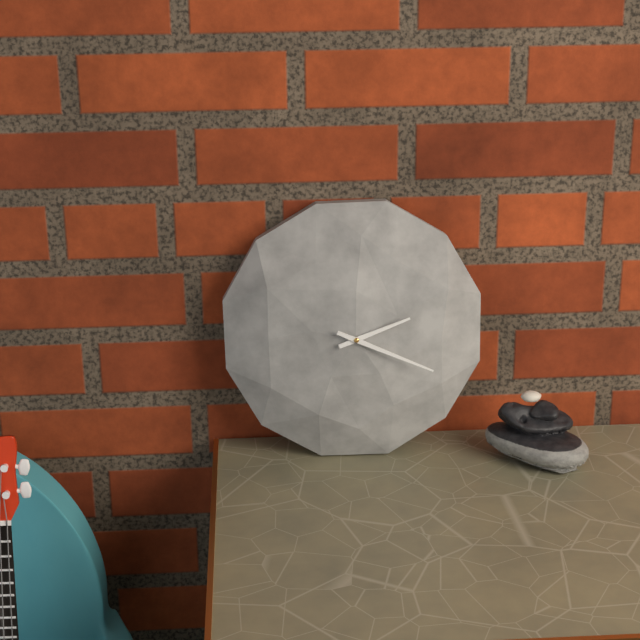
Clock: 2,19
